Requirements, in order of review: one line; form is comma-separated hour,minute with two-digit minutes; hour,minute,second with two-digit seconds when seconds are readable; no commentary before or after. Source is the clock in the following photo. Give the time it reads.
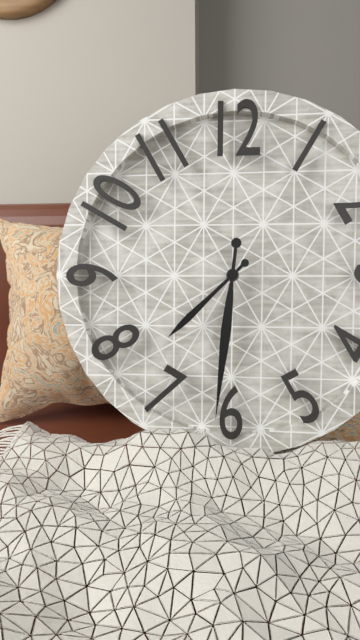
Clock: 7,31
